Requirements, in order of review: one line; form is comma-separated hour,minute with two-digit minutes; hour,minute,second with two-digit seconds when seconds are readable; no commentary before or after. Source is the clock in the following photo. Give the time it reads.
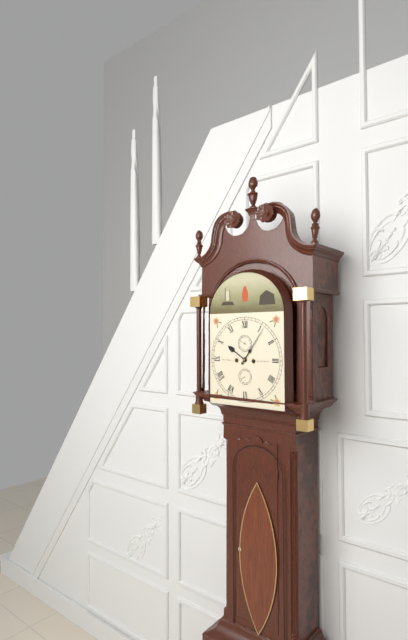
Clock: 10,06
